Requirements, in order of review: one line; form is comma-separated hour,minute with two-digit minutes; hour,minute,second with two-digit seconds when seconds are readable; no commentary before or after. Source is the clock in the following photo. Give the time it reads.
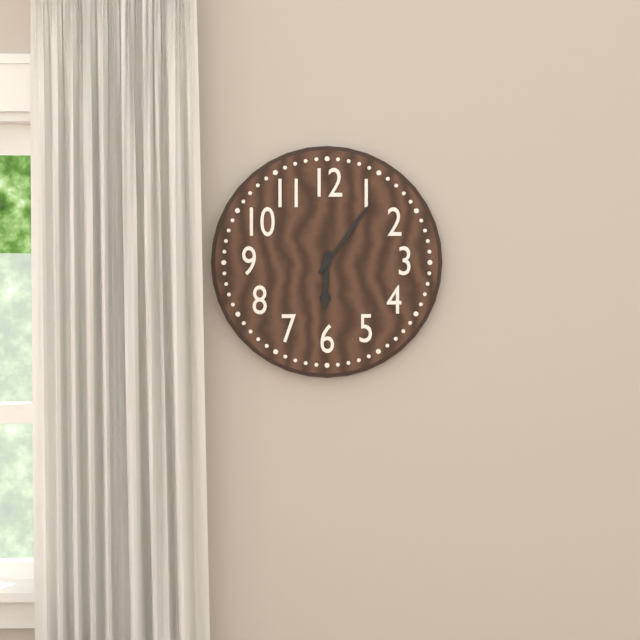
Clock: 6,06
